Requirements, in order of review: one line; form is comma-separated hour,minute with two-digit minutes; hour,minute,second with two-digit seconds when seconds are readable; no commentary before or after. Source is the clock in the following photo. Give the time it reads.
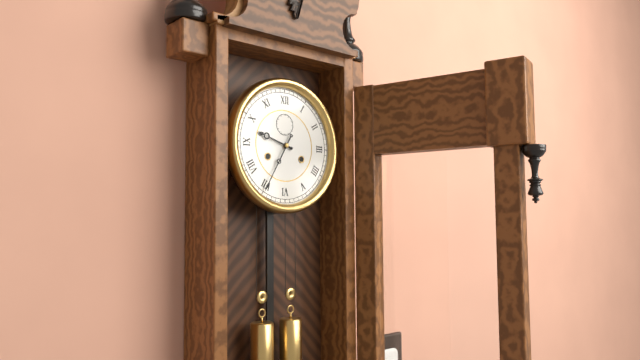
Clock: 9,35
